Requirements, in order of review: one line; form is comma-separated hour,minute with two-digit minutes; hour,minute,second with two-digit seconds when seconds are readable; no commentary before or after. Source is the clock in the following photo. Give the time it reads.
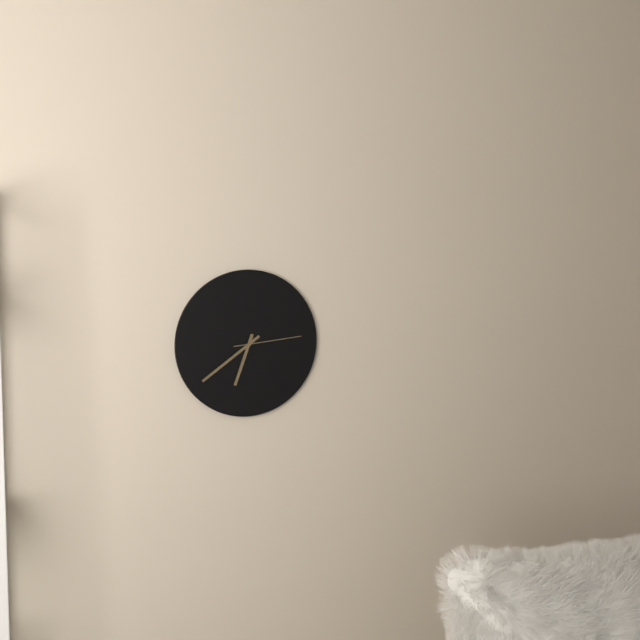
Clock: 6,39,14
